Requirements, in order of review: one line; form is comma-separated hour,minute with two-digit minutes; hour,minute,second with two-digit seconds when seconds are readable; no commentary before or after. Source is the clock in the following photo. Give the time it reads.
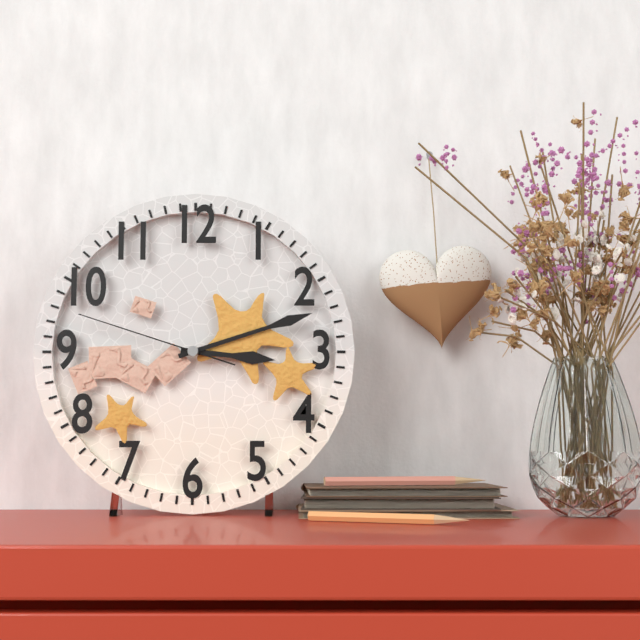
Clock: 3,12,48
